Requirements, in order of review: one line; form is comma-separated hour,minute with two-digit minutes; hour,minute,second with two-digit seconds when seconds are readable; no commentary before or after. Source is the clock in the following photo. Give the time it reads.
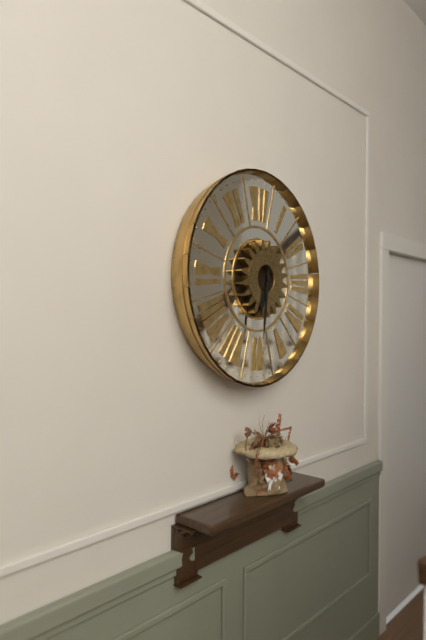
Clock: 6,31
